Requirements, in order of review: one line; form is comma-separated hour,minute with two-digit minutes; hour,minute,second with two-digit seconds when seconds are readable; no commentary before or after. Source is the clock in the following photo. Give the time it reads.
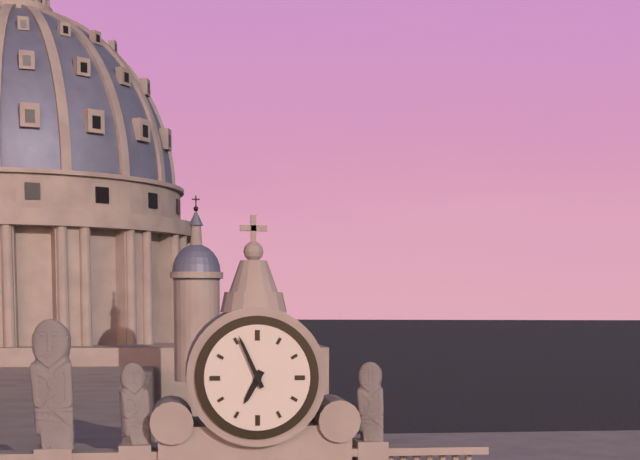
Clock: 6,56
